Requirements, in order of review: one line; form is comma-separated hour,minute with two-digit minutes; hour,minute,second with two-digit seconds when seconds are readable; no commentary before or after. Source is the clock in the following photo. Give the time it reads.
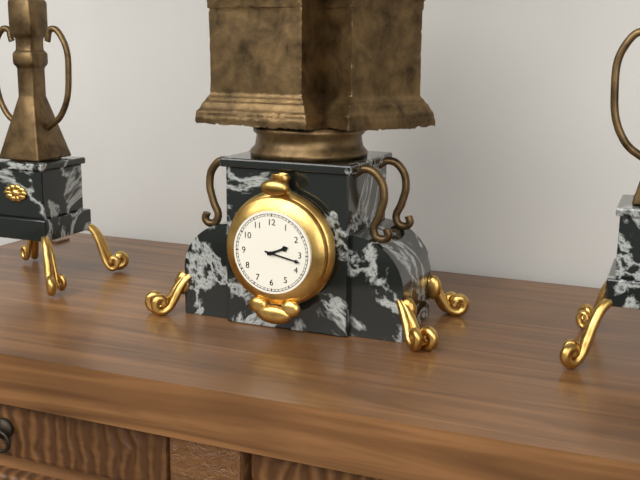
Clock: 2,17
